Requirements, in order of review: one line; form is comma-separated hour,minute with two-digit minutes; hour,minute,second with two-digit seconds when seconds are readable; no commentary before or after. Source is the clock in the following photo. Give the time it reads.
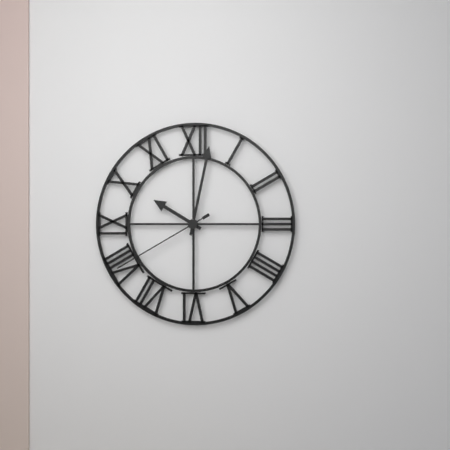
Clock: 10,02,40
